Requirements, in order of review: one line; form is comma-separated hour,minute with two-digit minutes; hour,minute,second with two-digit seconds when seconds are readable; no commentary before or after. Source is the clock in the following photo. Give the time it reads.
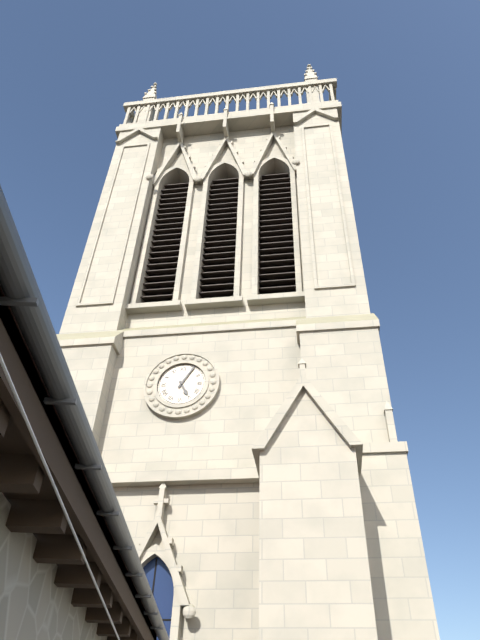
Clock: 5,05
